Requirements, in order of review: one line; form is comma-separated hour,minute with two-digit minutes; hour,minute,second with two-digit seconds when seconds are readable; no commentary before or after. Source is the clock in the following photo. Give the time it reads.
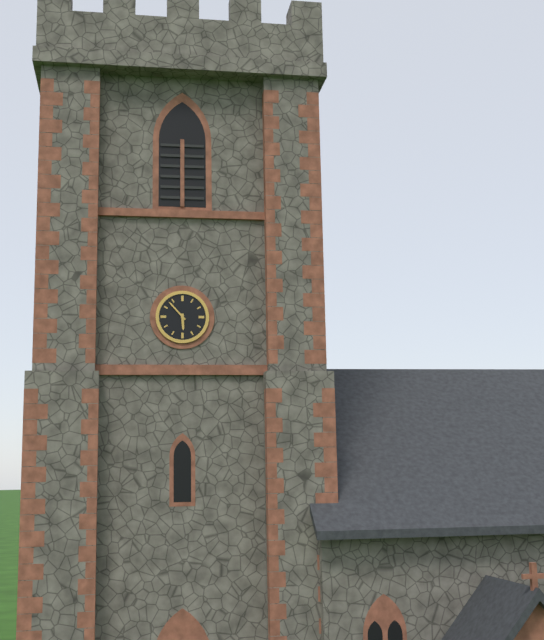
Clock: 5,53
